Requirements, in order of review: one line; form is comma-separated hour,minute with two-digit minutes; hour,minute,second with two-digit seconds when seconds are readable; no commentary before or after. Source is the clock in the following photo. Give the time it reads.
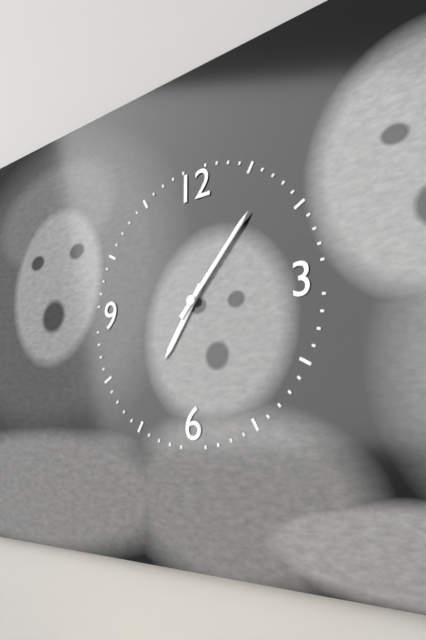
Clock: 7,07
